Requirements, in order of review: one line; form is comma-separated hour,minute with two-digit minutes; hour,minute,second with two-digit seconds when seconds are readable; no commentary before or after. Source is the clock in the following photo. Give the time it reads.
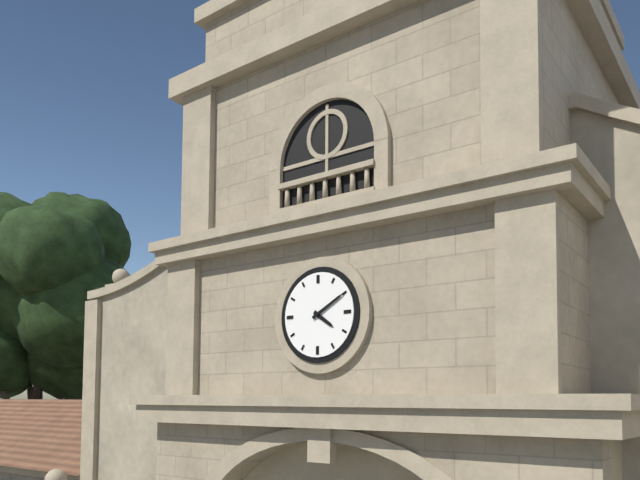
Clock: 4,10
